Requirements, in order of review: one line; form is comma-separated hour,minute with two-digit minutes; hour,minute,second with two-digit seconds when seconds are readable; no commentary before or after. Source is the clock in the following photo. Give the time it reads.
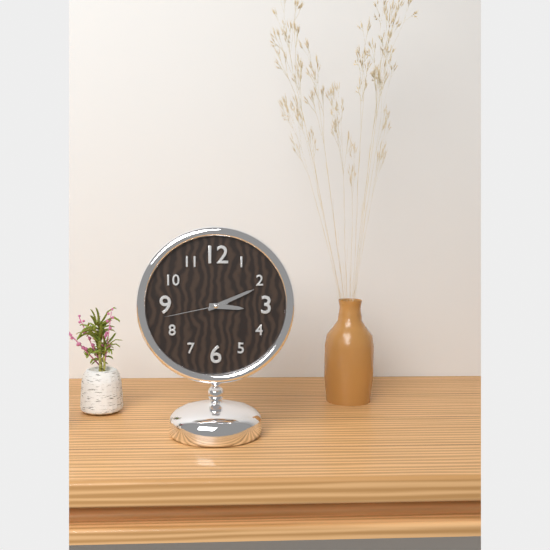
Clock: 3,11,43
